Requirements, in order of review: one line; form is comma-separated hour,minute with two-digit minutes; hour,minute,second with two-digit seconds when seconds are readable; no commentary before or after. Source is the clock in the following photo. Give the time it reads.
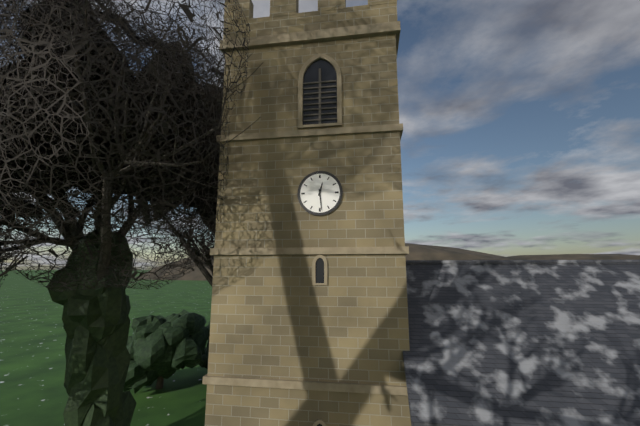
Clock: 12,29
